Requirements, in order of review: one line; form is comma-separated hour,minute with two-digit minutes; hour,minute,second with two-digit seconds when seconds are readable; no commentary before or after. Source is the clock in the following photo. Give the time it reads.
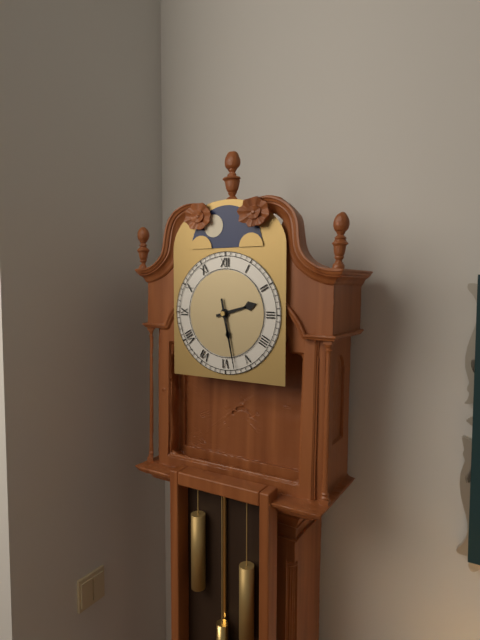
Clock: 2,28
